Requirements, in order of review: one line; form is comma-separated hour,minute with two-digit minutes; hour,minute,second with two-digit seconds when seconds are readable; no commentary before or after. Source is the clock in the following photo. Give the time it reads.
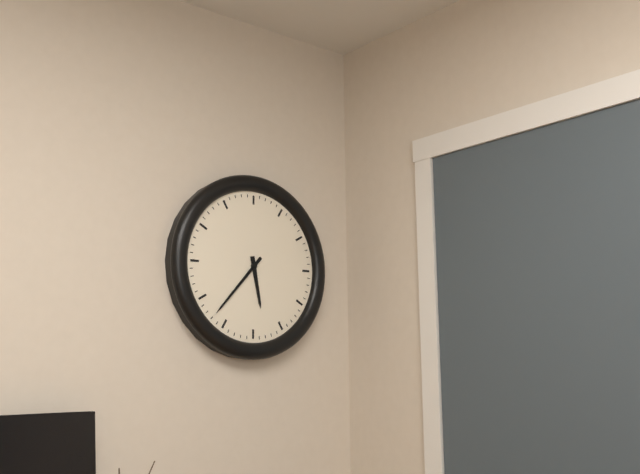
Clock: 5,37
